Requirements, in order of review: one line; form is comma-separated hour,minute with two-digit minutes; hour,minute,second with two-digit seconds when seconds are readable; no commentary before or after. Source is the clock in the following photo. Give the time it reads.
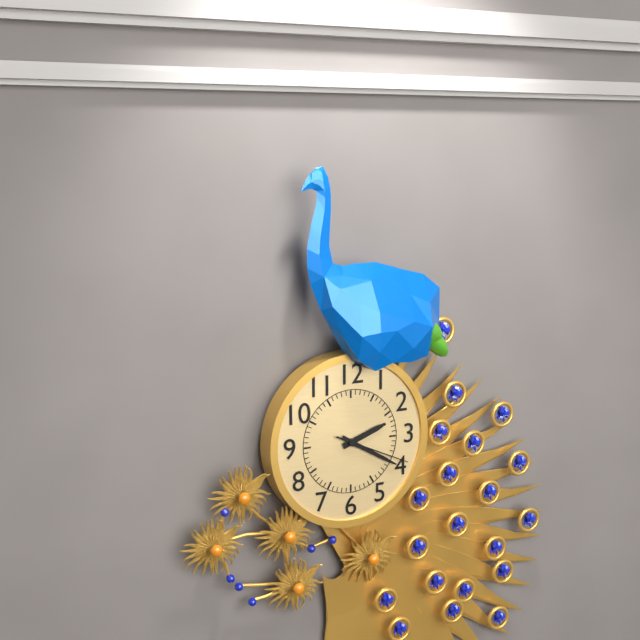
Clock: 2,20,19
